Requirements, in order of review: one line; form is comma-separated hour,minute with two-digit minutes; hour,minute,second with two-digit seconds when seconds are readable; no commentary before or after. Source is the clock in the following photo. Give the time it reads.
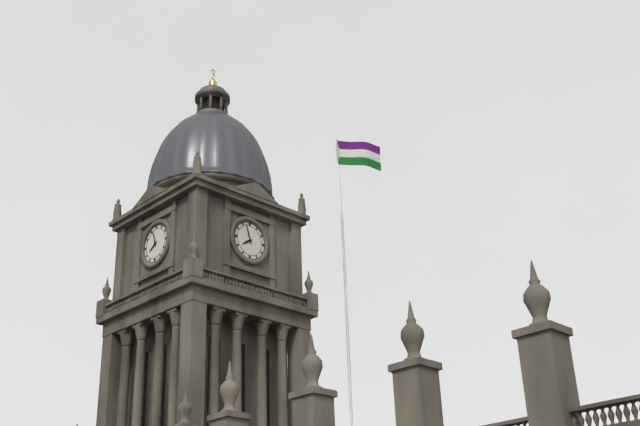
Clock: 7,57
